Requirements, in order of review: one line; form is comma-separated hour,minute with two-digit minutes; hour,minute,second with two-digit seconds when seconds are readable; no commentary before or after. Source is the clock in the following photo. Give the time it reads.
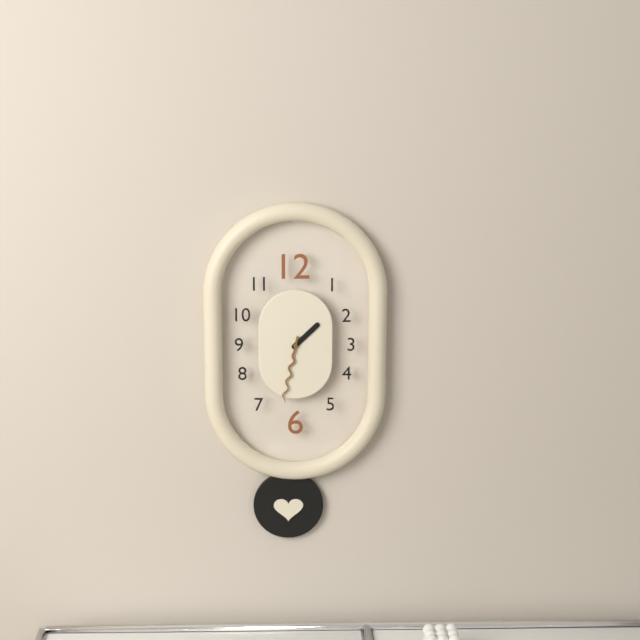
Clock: 1,32
